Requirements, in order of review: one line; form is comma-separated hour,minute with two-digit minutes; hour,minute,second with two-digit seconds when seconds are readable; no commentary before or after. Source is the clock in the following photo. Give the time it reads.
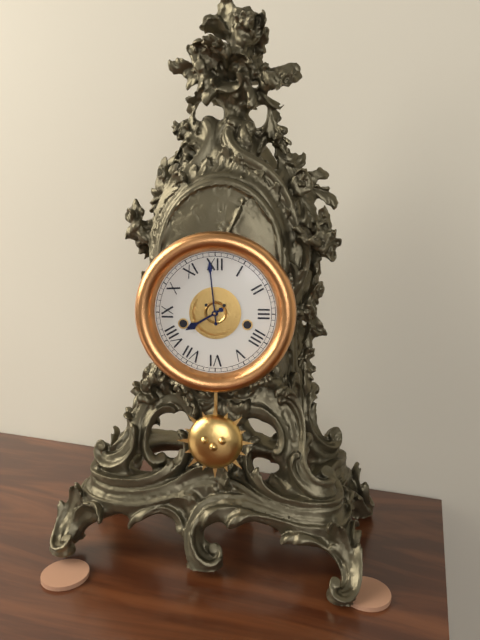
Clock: 7,59
